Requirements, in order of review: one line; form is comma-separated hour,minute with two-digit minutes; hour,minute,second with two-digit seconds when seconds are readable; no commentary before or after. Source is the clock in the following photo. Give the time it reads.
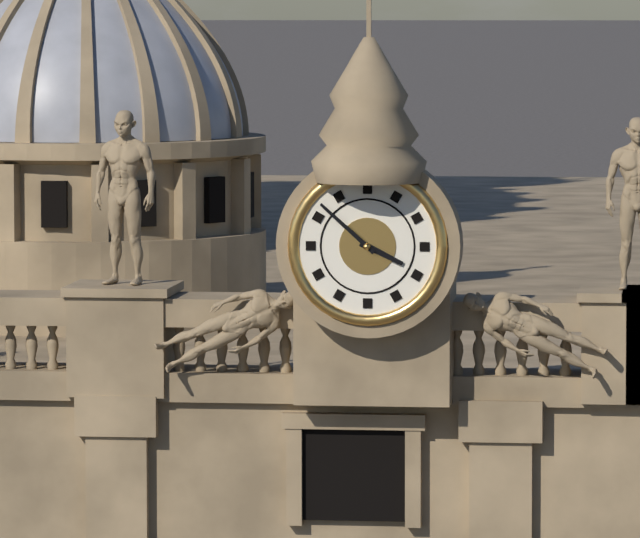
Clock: 3,52
